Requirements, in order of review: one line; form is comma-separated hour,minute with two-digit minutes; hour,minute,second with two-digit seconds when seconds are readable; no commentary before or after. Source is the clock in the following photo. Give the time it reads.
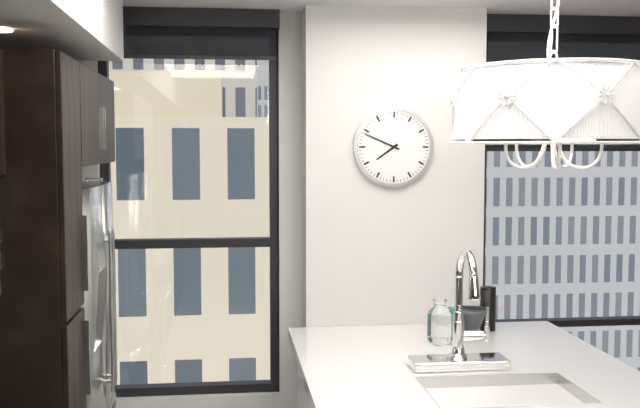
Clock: 7,49
